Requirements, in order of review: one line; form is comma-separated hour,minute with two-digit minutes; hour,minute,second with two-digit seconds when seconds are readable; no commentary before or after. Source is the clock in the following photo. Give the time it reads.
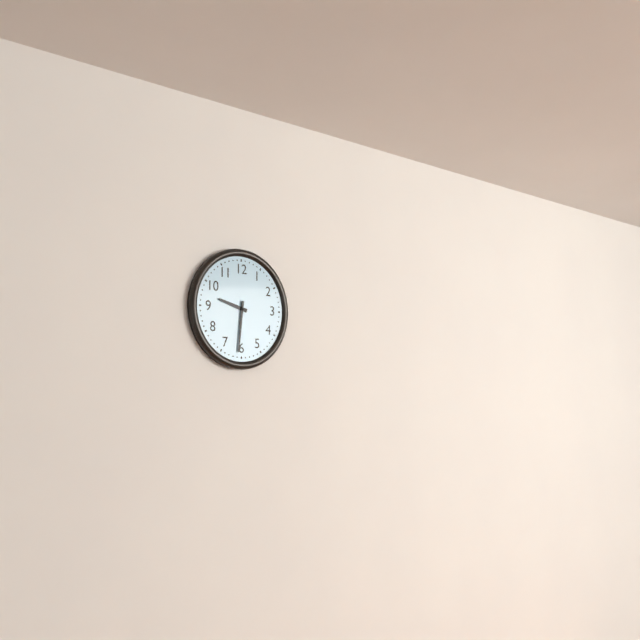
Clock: 9,31
